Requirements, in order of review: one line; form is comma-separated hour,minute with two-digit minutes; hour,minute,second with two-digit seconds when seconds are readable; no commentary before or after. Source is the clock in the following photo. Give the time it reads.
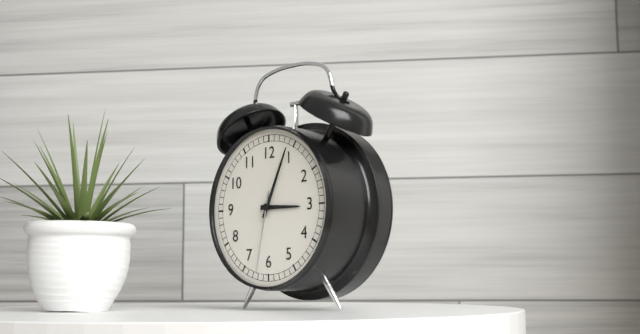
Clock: 3,04,32
